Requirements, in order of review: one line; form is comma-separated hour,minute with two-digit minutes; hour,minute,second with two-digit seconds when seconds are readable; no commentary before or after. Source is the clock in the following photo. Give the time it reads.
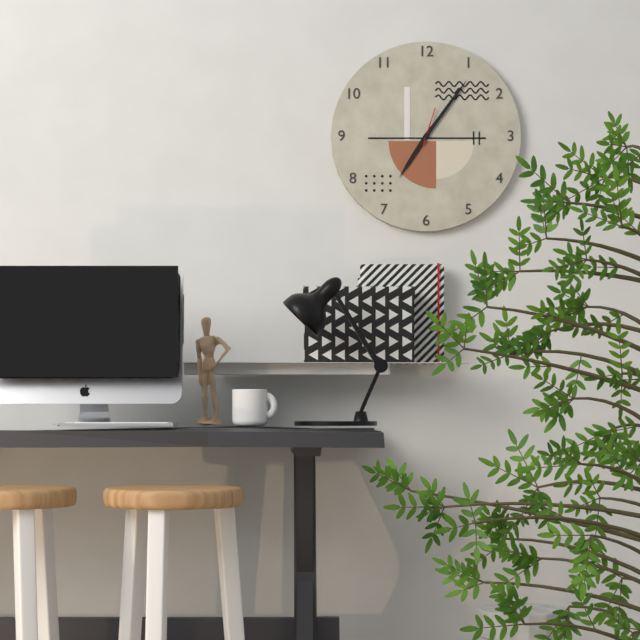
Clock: 7,06
